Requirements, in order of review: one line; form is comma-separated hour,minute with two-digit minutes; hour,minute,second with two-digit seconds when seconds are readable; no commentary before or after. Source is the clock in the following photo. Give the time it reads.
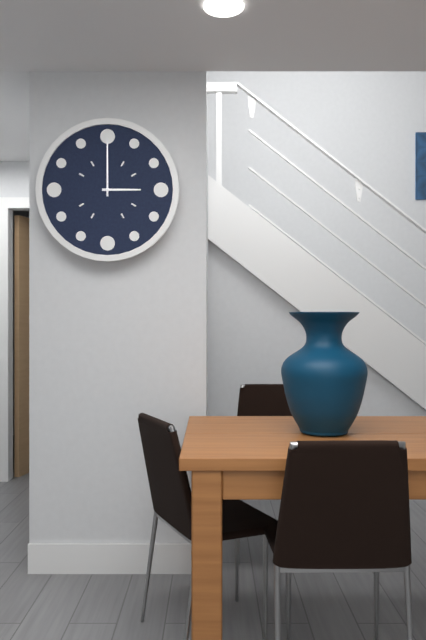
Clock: 3,00
